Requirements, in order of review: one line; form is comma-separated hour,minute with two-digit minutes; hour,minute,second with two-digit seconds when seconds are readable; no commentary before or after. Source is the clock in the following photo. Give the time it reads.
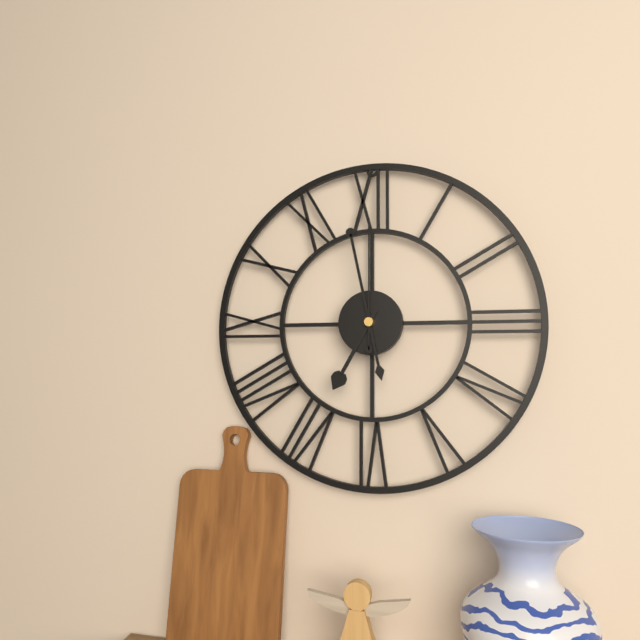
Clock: 6,58,00
